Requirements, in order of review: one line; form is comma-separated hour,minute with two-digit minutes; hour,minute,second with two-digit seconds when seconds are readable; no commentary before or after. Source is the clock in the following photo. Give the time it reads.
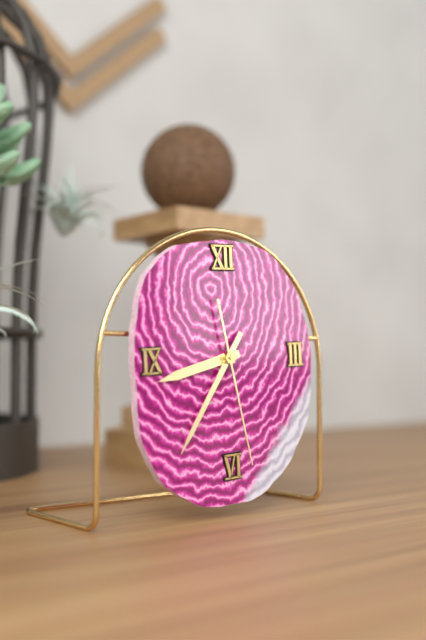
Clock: 8,36,28
